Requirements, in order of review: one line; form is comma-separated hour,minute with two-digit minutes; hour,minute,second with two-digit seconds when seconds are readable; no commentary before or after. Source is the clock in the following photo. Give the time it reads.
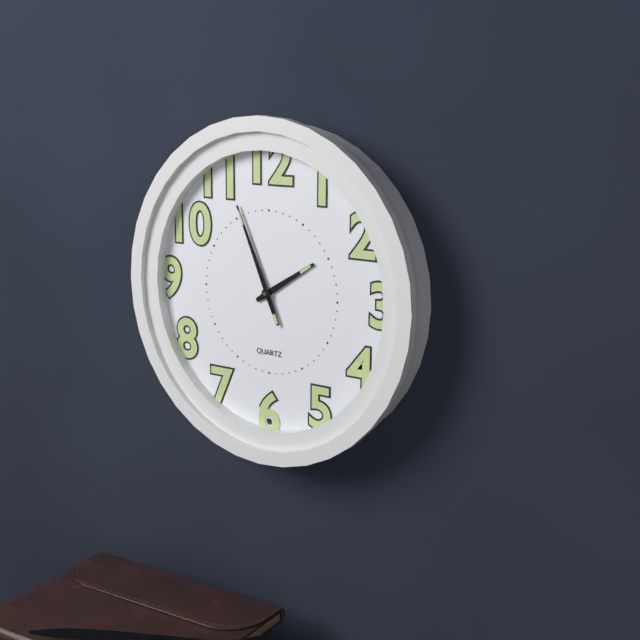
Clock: 1,56
